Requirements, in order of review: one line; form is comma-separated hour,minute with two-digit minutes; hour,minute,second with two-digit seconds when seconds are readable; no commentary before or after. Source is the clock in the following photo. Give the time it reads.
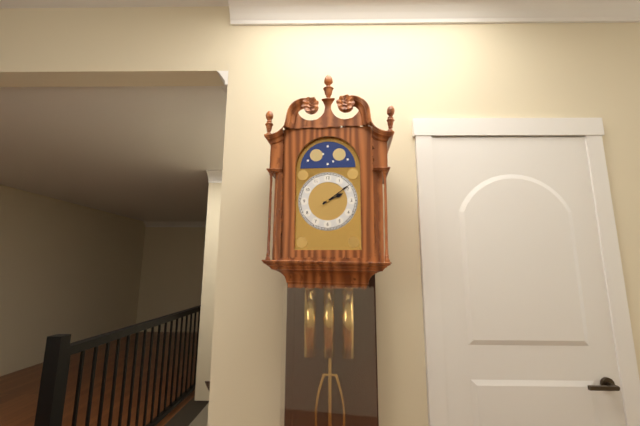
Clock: 2,09
